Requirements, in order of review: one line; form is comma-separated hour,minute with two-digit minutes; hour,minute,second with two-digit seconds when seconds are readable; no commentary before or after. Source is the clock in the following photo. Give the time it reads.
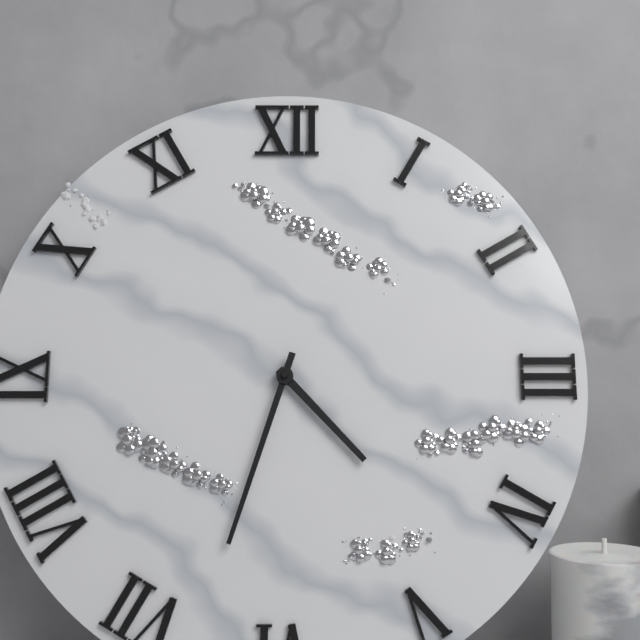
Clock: 4,33
